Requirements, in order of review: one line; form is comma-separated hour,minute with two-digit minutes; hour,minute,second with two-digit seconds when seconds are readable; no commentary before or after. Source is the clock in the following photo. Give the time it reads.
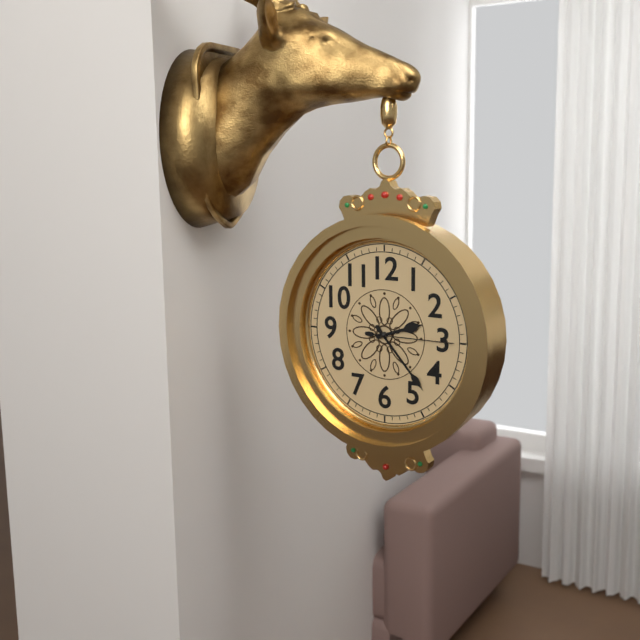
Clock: 2,23,15
